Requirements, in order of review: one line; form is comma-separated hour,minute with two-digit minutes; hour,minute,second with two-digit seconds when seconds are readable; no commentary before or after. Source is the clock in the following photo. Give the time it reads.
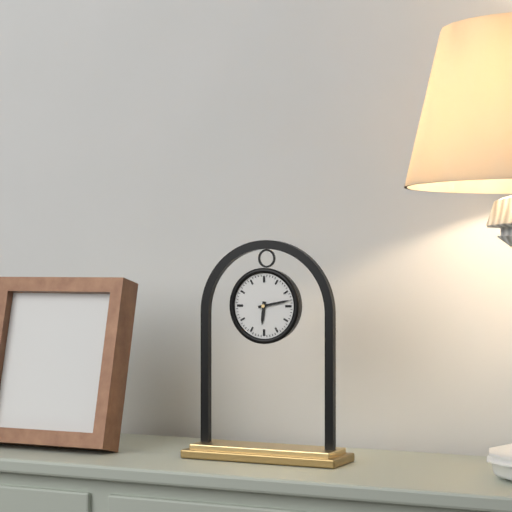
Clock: 6,13
